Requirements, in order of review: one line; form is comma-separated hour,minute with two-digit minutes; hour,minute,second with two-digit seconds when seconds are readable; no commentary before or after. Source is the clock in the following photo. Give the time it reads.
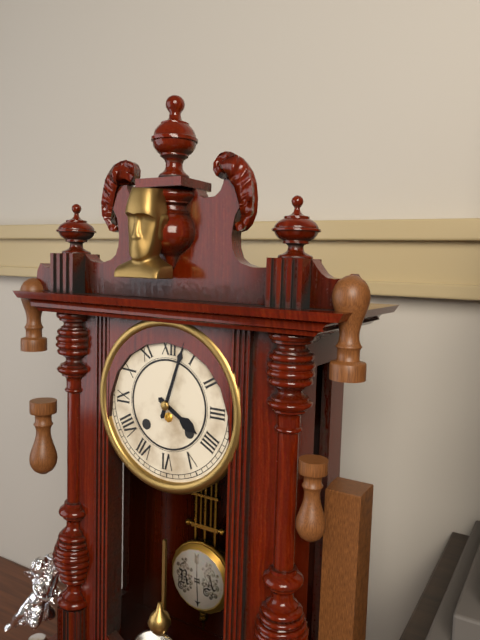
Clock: 4,03
